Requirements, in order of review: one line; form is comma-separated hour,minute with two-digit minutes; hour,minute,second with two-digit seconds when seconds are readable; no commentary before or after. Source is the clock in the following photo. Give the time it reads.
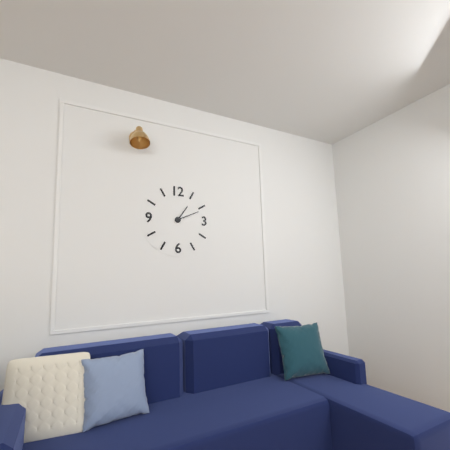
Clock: 1,11
